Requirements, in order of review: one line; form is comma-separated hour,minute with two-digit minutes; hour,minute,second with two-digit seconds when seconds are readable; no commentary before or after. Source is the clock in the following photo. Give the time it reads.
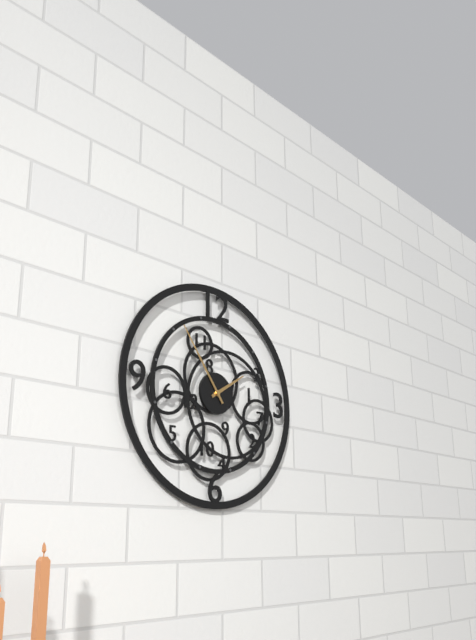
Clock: 1,54
